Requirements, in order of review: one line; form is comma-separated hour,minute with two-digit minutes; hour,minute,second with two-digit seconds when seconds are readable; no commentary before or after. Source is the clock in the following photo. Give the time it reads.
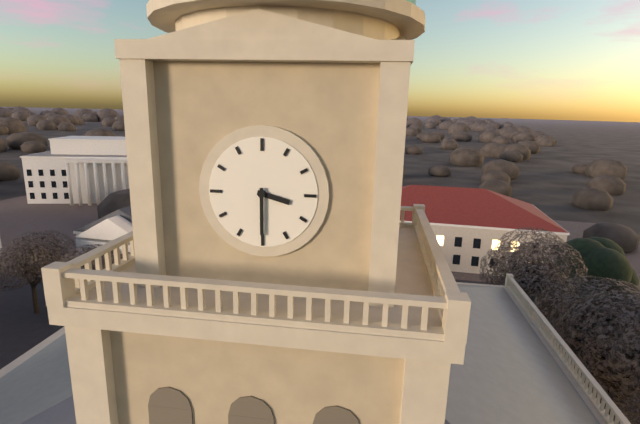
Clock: 3,30
